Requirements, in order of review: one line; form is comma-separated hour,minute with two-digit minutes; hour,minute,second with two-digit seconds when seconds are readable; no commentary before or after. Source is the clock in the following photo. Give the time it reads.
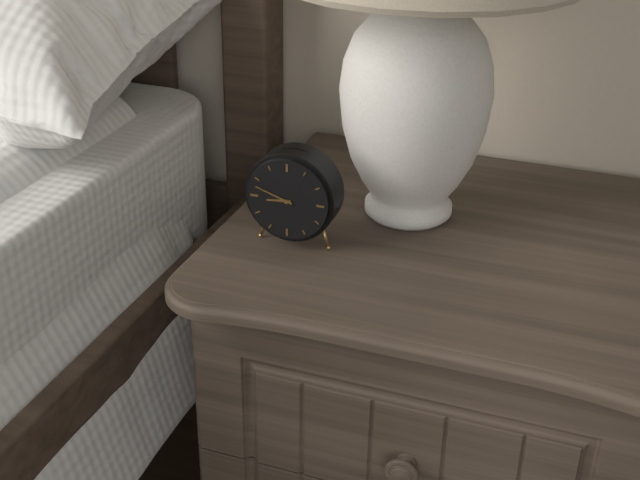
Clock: 8,48
